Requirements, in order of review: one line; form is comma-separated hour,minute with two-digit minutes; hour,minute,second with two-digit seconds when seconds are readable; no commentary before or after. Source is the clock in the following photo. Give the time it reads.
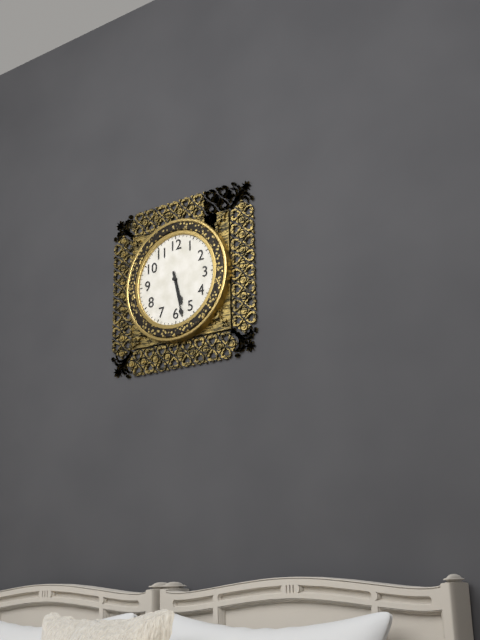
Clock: 5,28
